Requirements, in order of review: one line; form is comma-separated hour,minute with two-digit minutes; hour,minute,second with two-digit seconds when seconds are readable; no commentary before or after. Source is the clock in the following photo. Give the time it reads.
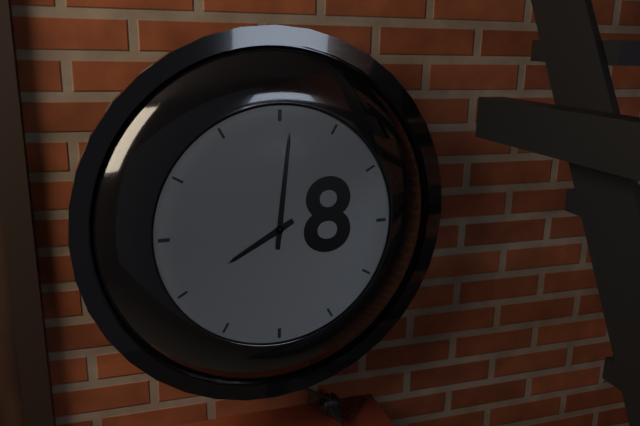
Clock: 8,01
